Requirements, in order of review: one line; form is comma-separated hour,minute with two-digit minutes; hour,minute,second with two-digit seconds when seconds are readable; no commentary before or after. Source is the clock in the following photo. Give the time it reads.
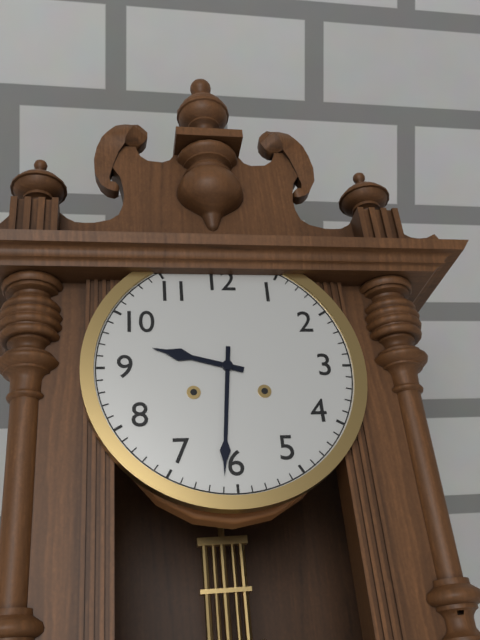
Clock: 9,31
